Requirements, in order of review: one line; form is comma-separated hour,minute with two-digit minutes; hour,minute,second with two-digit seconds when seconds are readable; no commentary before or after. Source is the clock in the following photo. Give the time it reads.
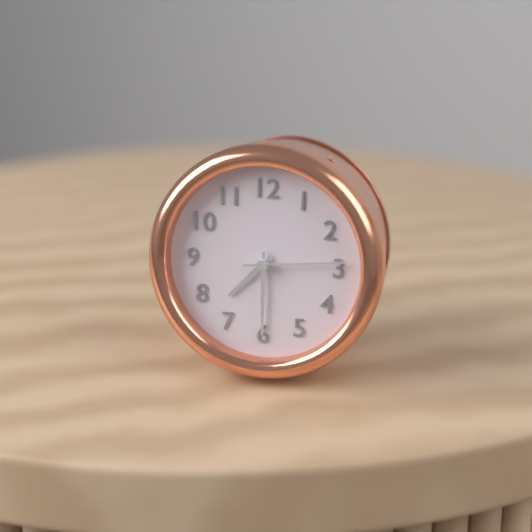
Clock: 7,30,14
